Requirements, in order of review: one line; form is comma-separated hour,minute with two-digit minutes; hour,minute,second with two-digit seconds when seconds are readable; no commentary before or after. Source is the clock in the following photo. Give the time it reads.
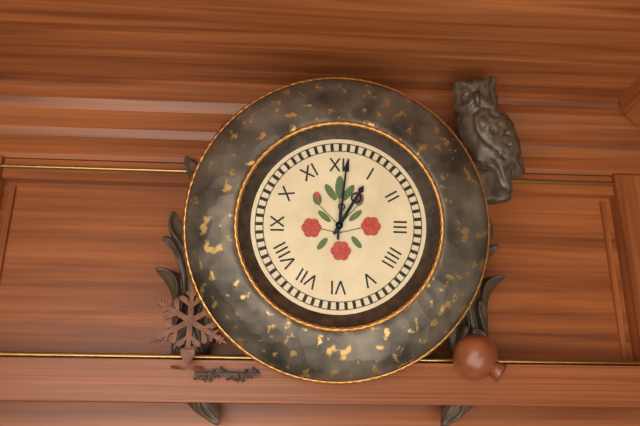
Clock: 1,01
